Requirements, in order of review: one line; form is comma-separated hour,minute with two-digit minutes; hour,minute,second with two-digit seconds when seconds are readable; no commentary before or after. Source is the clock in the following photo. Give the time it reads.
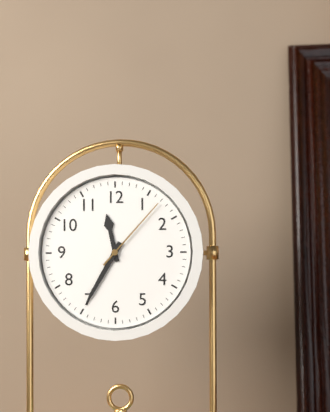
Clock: 11,35,07
